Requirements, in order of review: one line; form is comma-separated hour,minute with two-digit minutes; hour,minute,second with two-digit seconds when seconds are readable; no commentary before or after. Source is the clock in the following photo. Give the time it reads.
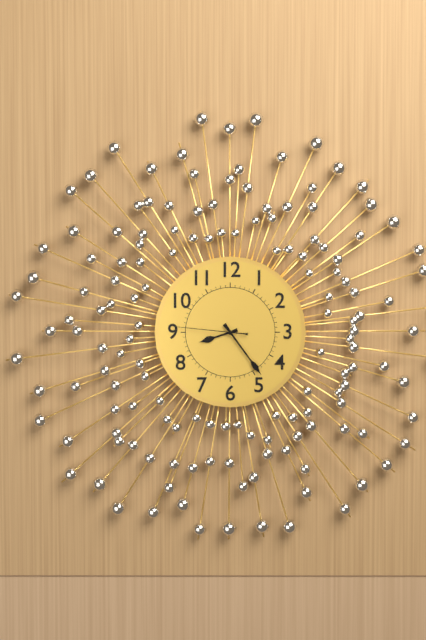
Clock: 8,24,46
